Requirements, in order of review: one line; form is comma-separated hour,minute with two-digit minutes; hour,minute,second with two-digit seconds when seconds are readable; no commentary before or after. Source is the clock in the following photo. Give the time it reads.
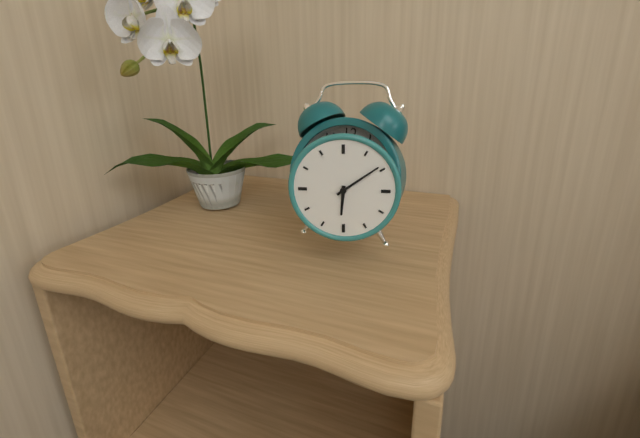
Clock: 6,09
